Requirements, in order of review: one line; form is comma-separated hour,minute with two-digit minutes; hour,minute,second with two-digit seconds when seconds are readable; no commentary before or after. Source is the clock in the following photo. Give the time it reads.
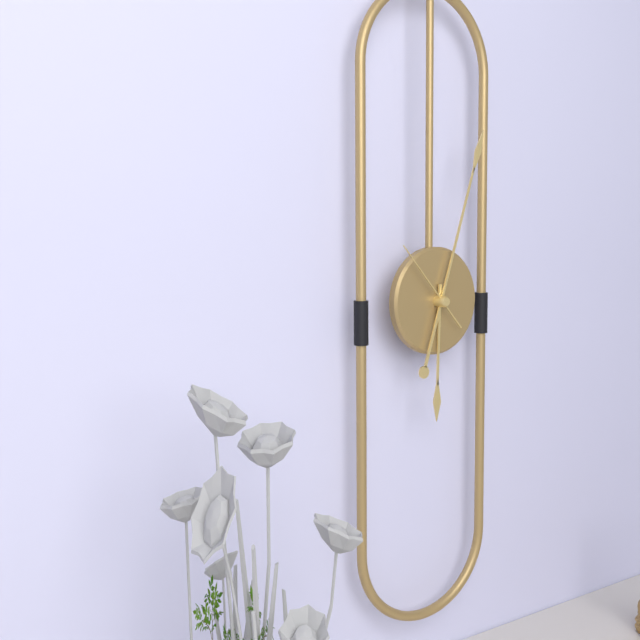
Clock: 6,03,53
